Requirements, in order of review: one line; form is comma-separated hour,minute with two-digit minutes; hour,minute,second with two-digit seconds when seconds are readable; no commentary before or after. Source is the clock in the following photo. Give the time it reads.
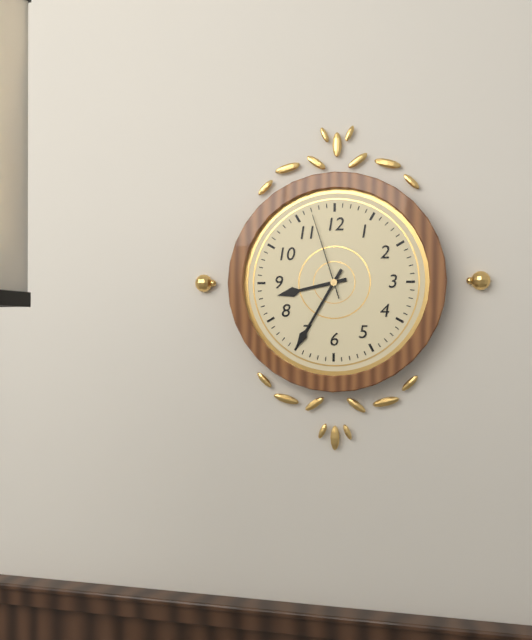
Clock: 8,35,57
